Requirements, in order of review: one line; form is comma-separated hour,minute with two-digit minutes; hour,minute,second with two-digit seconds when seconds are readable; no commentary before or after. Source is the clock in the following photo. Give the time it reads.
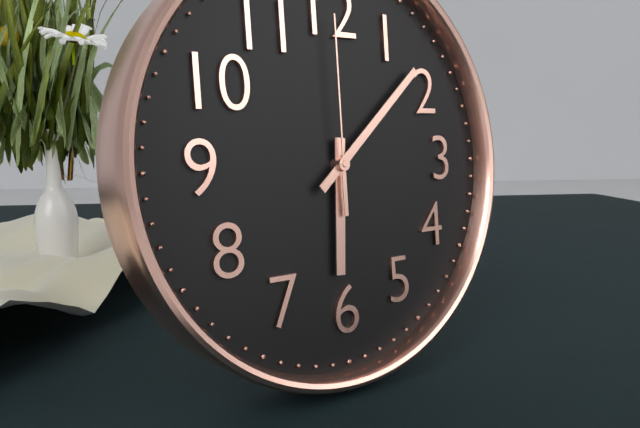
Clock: 6,08,00
